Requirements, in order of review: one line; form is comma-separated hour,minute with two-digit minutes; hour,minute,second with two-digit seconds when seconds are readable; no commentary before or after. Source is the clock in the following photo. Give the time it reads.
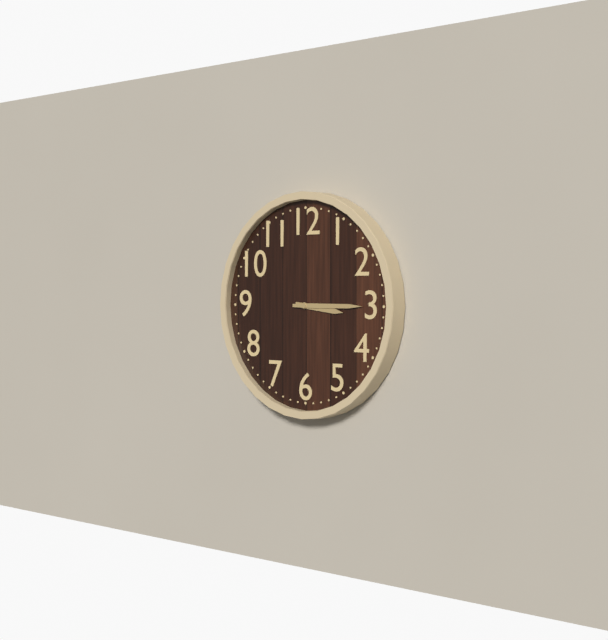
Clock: 3,15
